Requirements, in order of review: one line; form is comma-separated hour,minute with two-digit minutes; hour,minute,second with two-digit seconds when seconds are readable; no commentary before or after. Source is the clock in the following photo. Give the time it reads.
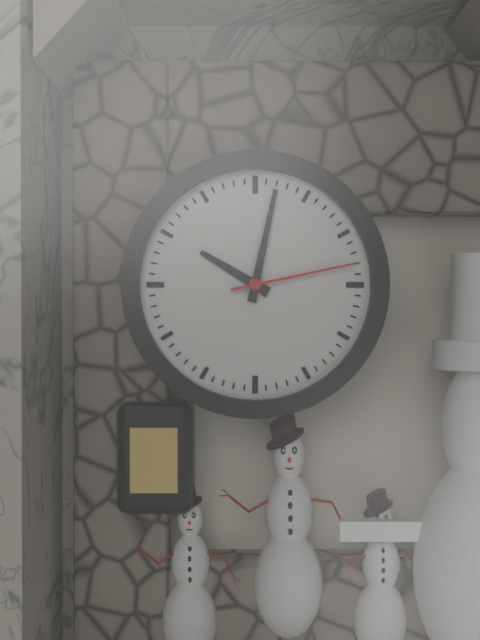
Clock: 10,02,13
